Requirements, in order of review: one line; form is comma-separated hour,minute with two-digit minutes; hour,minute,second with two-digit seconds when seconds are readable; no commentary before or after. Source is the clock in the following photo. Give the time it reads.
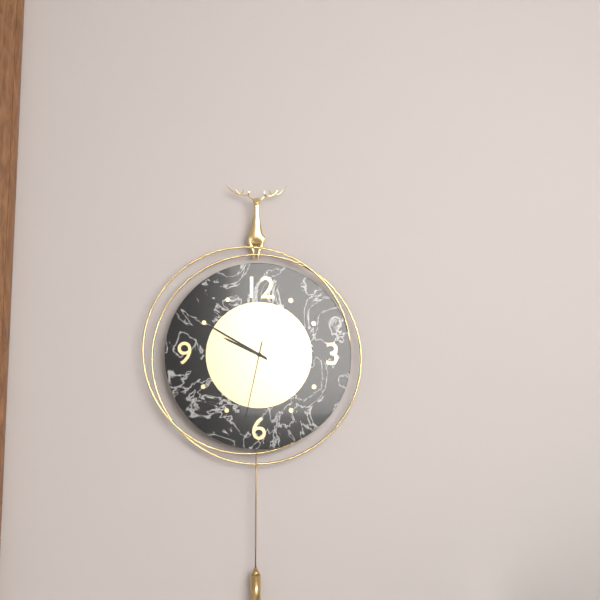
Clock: 9,50,32
